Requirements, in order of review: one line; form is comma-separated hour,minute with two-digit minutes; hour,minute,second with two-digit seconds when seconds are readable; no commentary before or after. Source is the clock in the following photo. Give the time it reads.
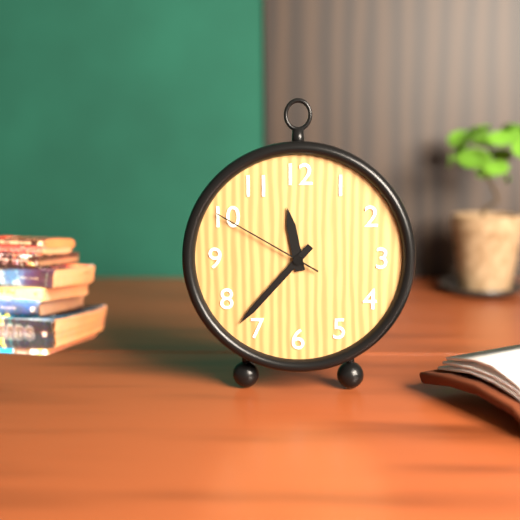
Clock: 11,37,50
